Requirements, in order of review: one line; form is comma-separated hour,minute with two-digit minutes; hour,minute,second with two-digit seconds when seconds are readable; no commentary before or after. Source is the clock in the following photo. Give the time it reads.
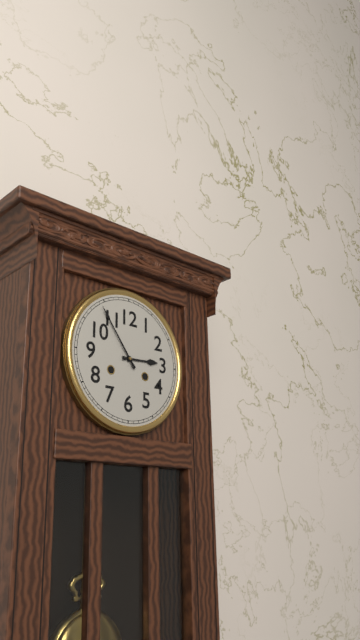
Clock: 2,54
